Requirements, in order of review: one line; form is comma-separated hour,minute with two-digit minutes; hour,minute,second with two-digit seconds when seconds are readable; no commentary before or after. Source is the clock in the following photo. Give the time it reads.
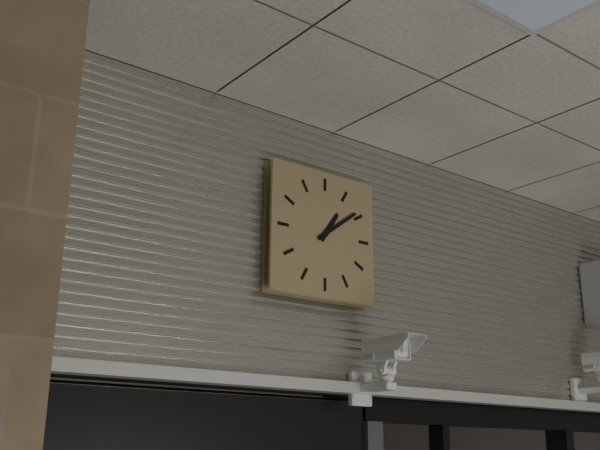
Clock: 1,09
